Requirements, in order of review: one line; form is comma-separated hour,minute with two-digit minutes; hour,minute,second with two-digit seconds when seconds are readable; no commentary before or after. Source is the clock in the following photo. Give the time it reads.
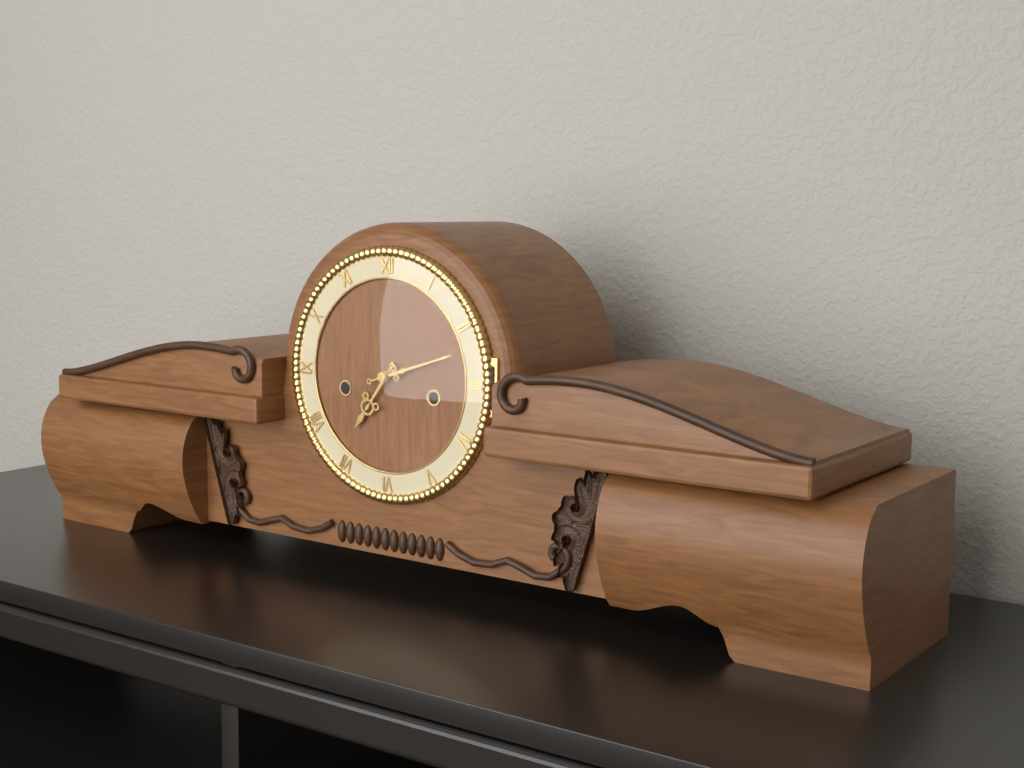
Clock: 7,12
